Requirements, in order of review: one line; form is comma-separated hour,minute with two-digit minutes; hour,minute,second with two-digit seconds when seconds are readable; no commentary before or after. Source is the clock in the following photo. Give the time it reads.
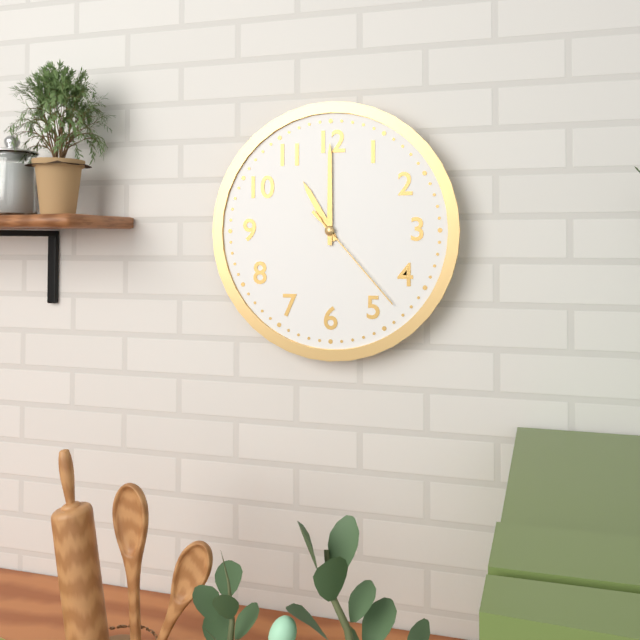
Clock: 11,00,23
